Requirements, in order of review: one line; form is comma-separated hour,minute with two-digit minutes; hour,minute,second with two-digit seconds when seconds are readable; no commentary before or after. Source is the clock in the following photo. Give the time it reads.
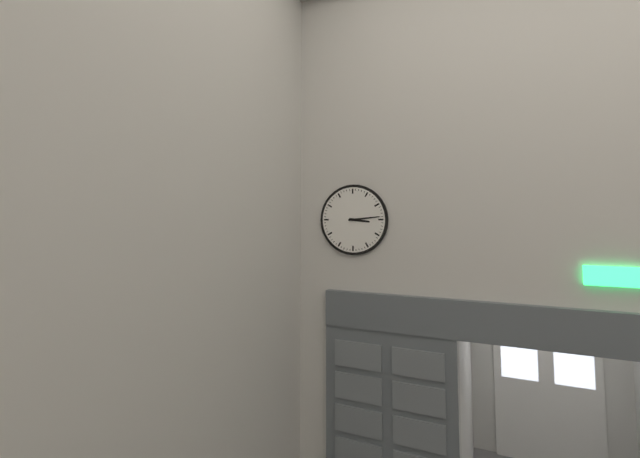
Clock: 3,14
